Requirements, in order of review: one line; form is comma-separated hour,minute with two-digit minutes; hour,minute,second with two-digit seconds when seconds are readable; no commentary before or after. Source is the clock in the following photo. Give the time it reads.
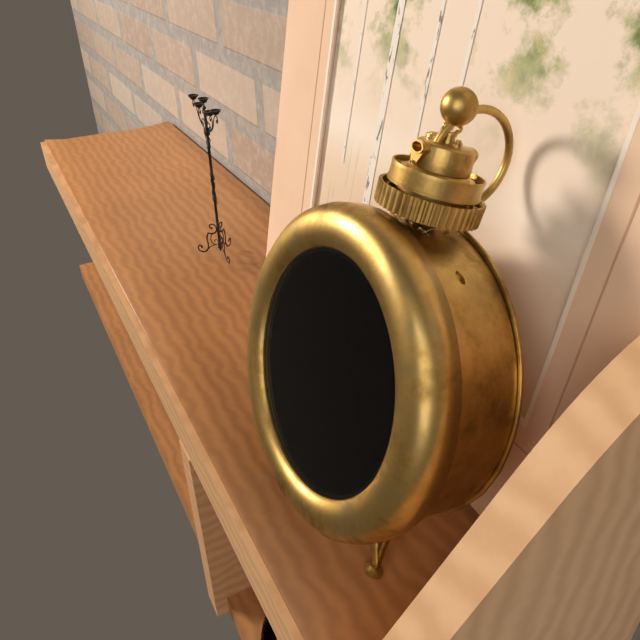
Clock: 11,37,10
